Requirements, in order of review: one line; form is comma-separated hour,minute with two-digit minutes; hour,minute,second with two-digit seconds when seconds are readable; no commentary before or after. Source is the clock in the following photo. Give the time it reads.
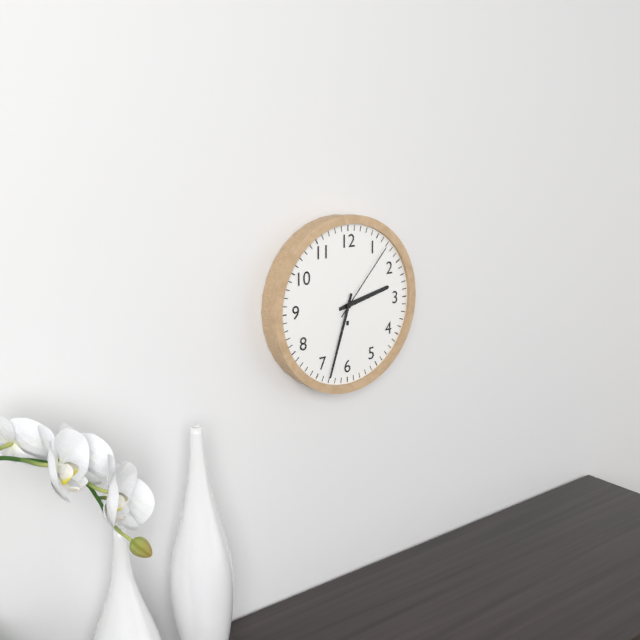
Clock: 2,33,07
